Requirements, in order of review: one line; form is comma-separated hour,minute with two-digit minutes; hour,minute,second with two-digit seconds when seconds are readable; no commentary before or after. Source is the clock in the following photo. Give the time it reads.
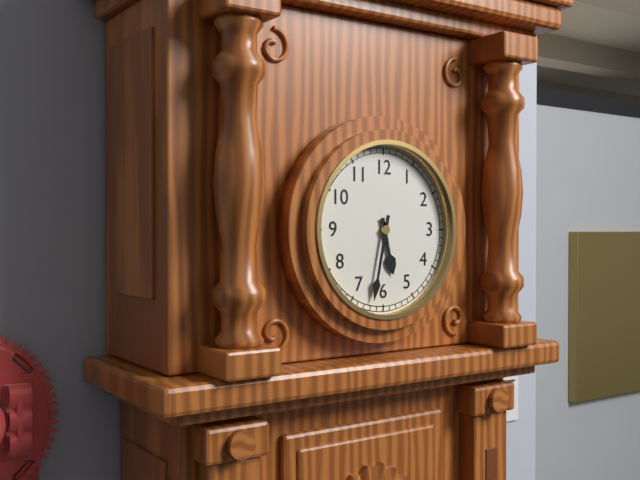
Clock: 5,32
